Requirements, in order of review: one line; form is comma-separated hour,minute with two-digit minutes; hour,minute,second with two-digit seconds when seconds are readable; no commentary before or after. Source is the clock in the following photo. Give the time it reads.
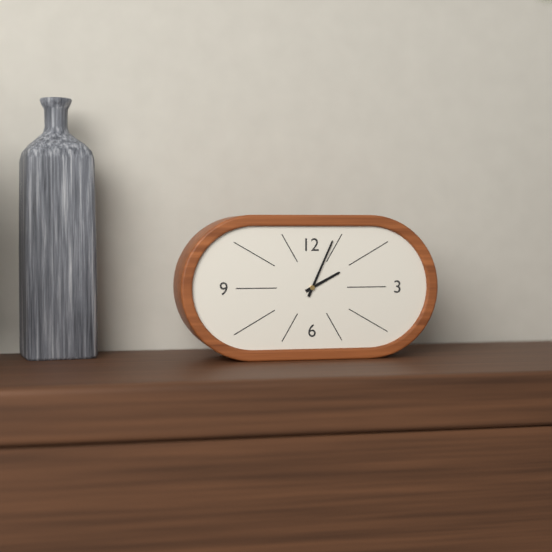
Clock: 2,04
